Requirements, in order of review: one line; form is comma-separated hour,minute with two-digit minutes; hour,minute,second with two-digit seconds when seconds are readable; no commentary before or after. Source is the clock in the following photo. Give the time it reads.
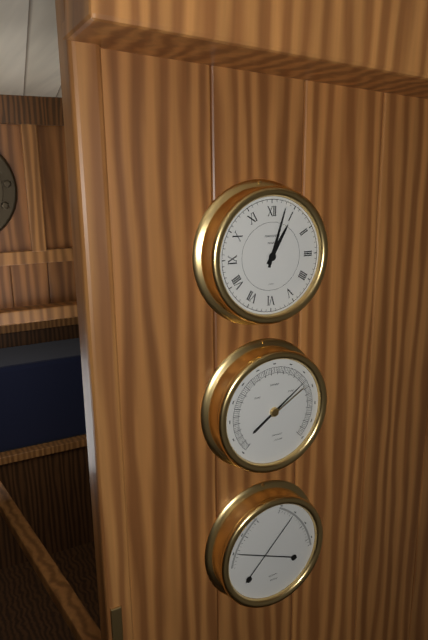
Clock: 1,03
